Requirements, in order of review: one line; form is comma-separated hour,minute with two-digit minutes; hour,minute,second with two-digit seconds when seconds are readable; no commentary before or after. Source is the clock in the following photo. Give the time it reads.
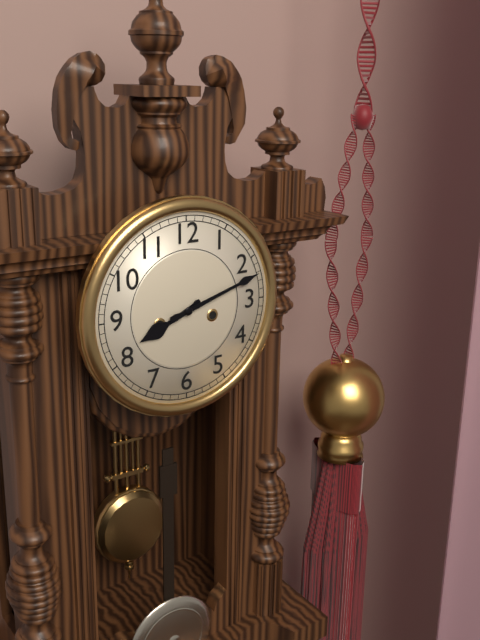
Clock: 8,12
